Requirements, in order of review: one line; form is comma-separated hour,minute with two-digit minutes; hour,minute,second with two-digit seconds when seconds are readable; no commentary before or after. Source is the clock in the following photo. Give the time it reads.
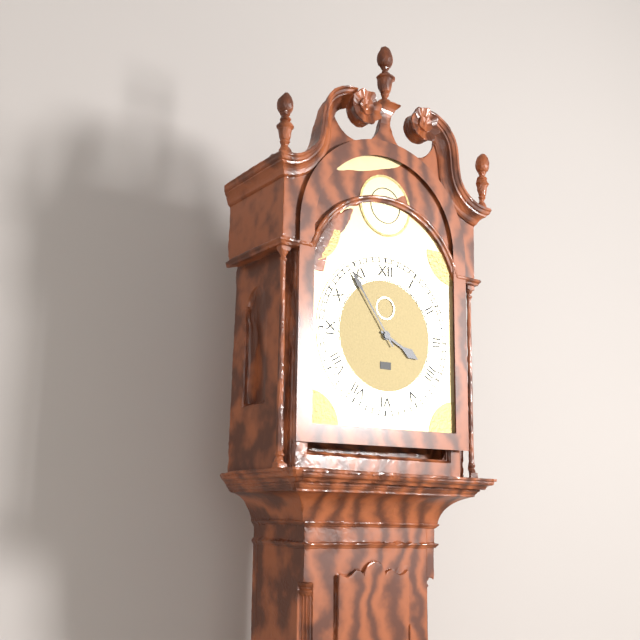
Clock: 3,54
